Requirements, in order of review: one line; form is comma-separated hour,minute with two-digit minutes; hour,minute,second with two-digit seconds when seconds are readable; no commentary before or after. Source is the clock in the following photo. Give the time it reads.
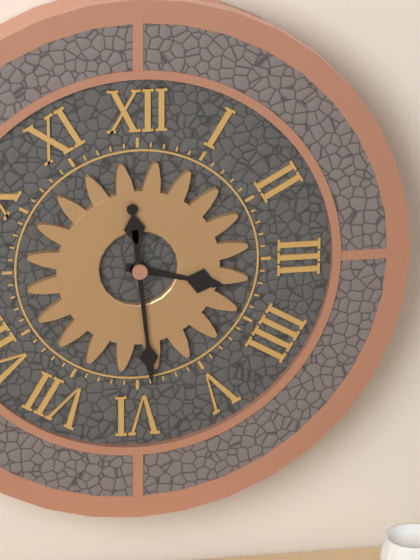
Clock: 3,29
